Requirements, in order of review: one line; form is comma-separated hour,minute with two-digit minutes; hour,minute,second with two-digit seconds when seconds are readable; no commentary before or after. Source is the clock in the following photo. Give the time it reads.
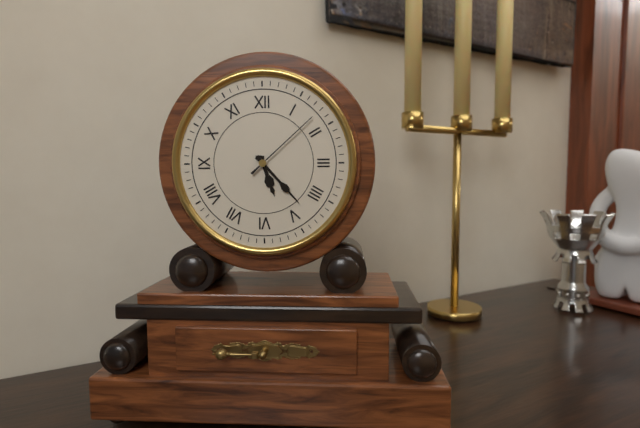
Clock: 5,23,08
